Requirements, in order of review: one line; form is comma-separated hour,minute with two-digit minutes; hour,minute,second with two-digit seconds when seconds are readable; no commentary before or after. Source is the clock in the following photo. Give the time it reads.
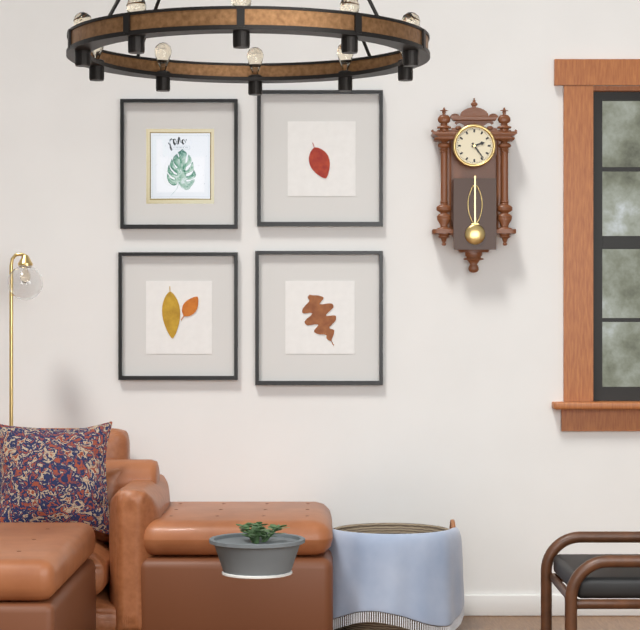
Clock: 2,24
